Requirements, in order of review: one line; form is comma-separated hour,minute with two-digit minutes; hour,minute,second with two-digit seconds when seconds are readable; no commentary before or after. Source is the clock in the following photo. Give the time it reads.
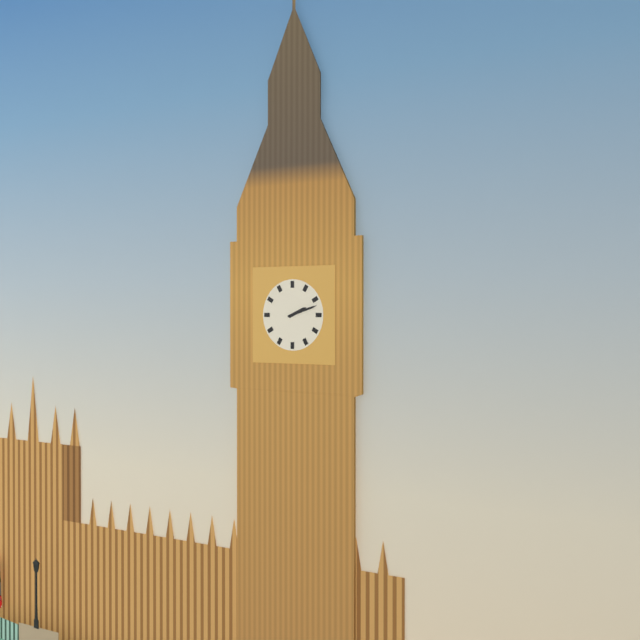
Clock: 2,12
